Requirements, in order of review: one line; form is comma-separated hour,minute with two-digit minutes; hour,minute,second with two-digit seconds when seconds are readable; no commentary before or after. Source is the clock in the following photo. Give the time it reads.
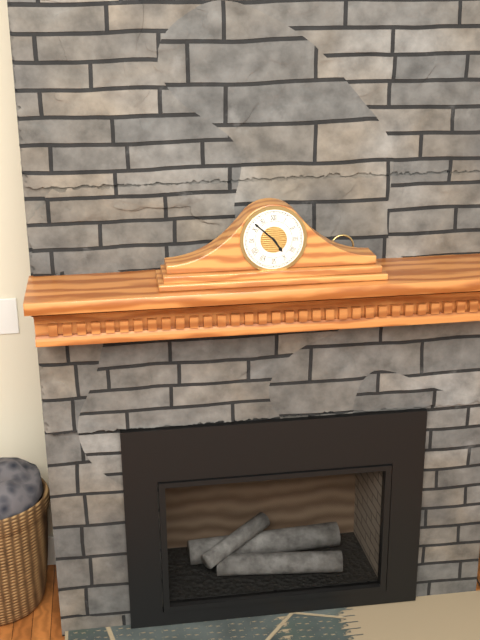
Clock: 4,52
